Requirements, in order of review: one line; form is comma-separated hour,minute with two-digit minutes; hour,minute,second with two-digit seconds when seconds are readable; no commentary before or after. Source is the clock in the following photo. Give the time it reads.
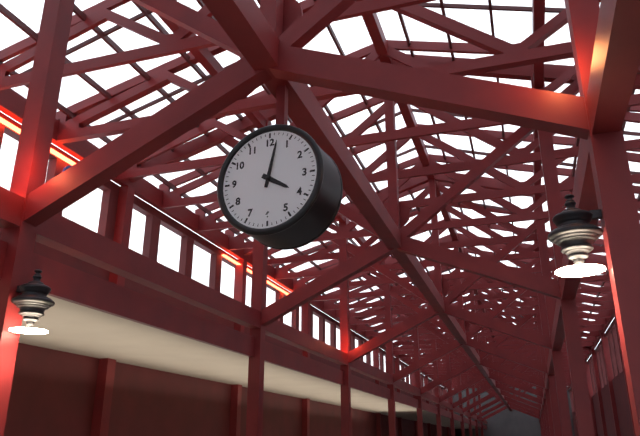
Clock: 4,02
